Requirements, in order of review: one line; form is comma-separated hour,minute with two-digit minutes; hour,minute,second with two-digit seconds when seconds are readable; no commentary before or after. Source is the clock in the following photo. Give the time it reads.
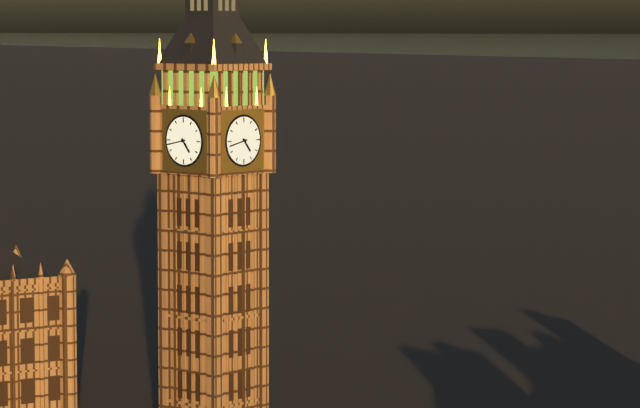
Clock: 4,43
